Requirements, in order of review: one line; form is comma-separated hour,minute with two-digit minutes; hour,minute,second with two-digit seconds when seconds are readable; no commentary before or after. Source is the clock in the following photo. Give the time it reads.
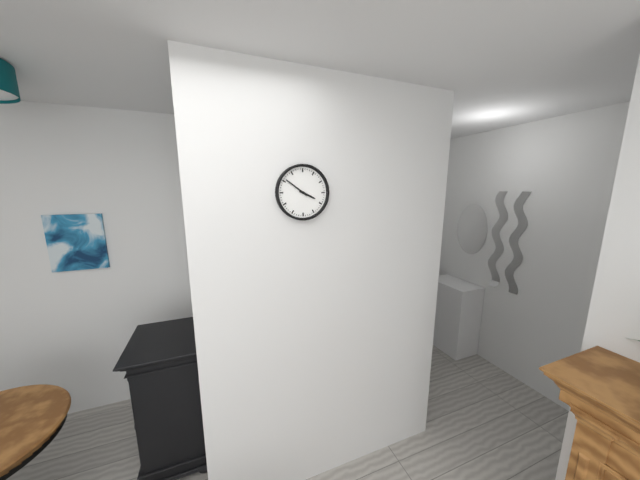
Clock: 3,51
